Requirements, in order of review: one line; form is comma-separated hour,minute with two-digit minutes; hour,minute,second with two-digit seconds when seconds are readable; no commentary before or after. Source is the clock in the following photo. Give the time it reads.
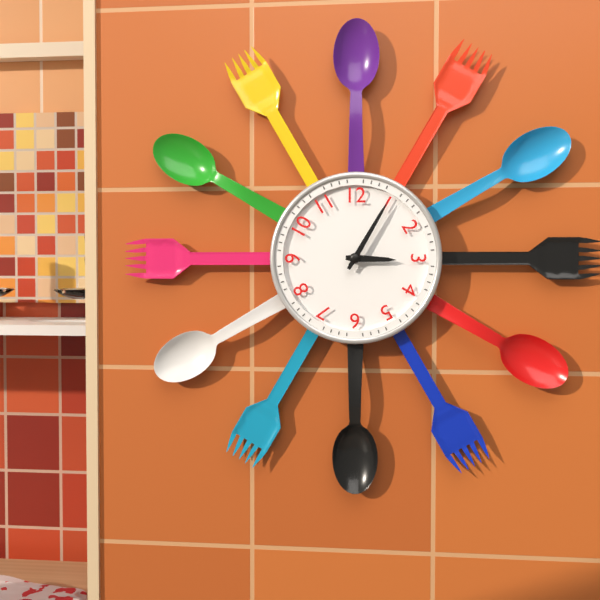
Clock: 3,05
